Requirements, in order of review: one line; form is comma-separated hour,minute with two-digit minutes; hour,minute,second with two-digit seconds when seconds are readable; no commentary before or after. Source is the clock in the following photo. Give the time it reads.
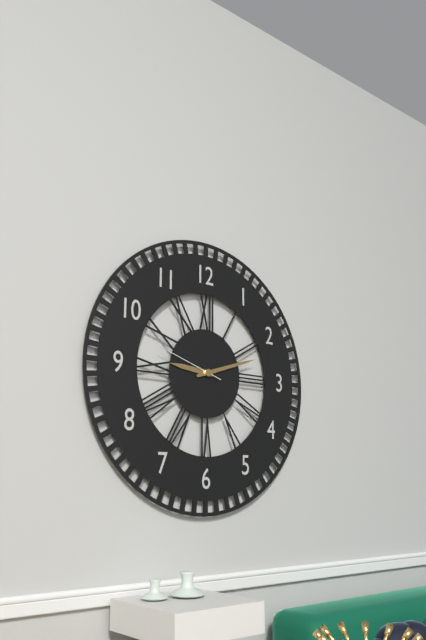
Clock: 9,12,48
